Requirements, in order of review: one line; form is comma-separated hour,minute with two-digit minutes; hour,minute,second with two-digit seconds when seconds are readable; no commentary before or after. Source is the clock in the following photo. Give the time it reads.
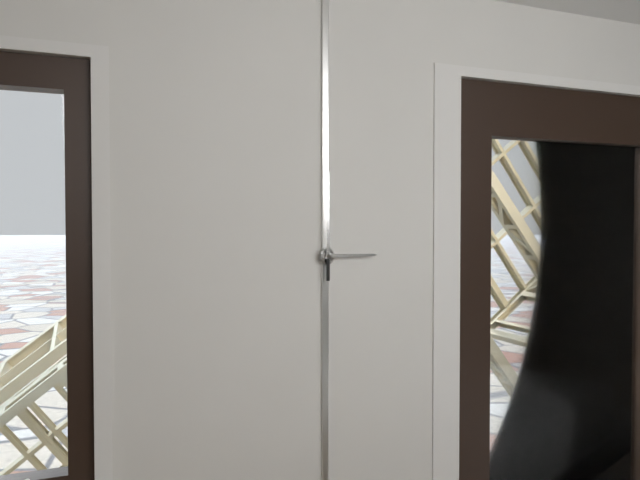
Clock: 3,00
